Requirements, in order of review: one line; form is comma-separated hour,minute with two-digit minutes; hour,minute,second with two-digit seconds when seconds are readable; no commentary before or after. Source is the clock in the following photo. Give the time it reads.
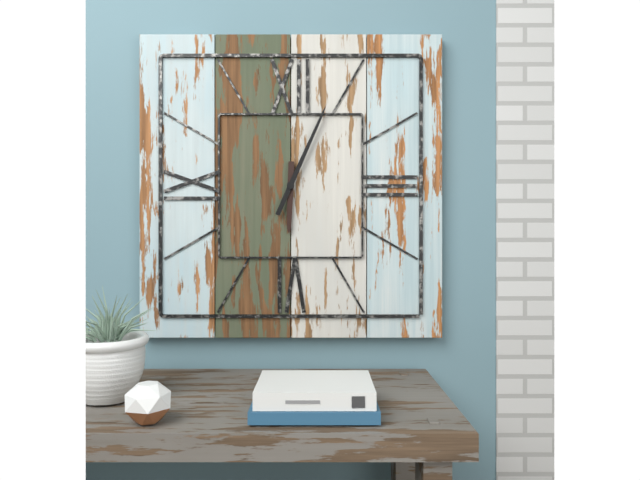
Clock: 6,04
